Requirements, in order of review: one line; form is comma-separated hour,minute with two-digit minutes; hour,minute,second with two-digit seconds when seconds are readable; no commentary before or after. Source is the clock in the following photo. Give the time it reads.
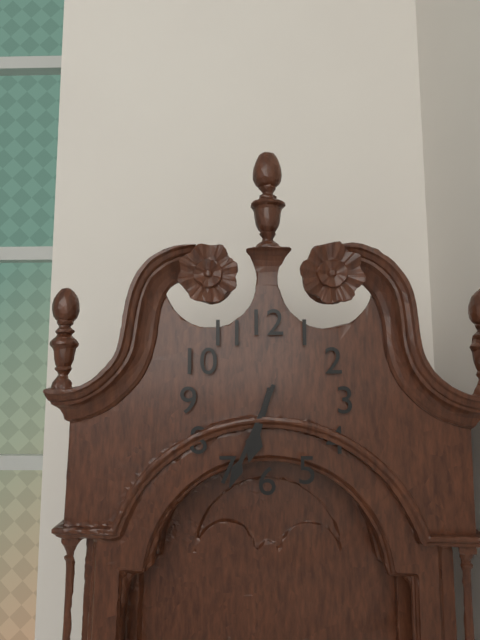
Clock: 6,34
